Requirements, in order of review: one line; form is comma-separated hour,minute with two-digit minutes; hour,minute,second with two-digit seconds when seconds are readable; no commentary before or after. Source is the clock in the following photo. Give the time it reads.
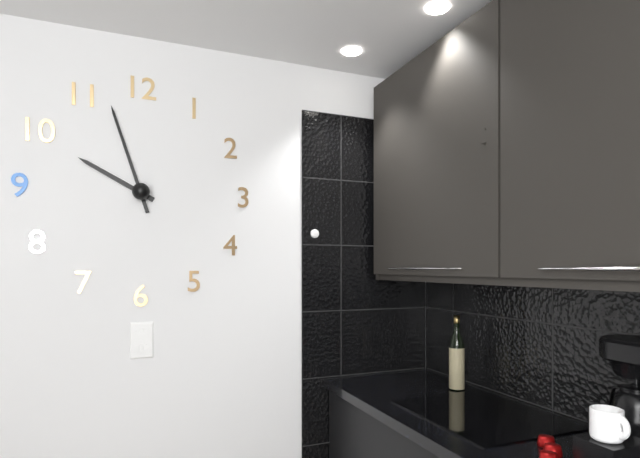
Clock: 9,57
